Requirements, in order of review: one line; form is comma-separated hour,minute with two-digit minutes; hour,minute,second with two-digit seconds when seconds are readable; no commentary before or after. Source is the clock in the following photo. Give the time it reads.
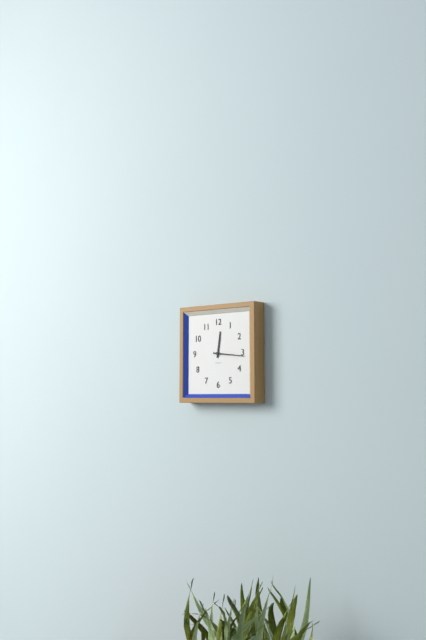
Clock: 12,16
